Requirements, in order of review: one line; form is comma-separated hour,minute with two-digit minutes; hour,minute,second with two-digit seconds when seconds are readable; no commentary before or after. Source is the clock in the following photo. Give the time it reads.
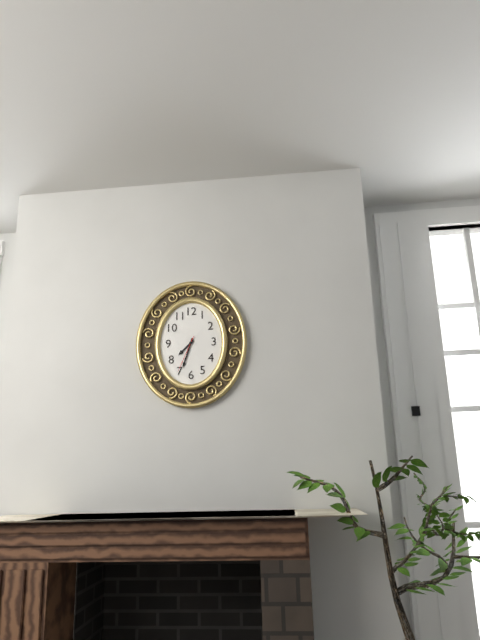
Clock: 7,33
